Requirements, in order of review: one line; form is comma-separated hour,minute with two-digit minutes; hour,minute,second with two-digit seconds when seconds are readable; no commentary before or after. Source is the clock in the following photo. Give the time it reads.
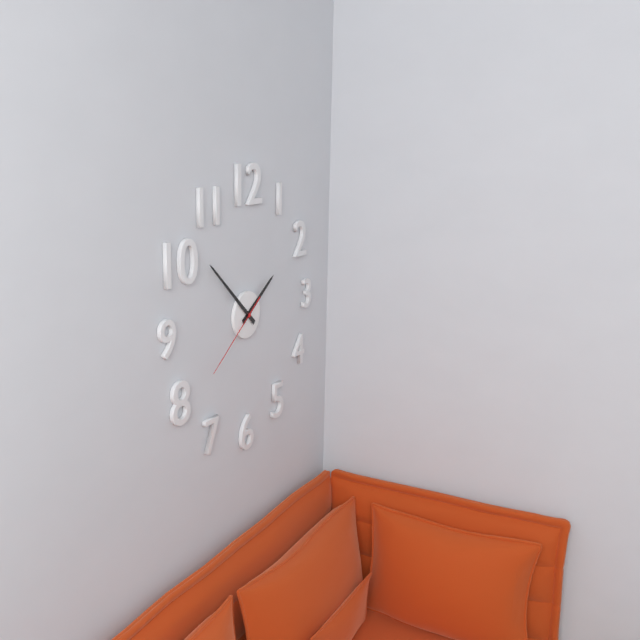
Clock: 1,52,39
